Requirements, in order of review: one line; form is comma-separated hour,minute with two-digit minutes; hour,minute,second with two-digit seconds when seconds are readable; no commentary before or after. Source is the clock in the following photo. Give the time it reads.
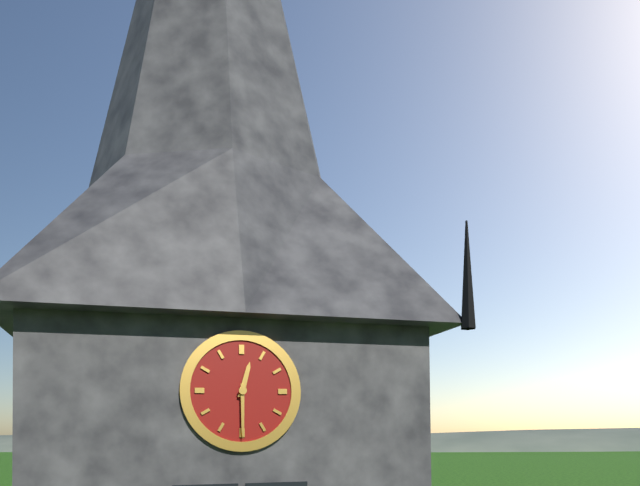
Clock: 12,30
